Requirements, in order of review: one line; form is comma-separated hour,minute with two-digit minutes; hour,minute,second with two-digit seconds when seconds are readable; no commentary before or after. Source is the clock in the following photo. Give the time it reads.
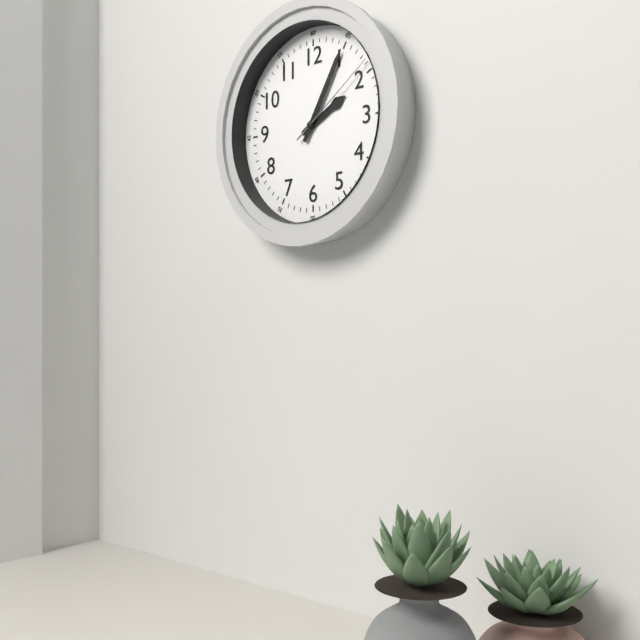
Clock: 2,05,09
